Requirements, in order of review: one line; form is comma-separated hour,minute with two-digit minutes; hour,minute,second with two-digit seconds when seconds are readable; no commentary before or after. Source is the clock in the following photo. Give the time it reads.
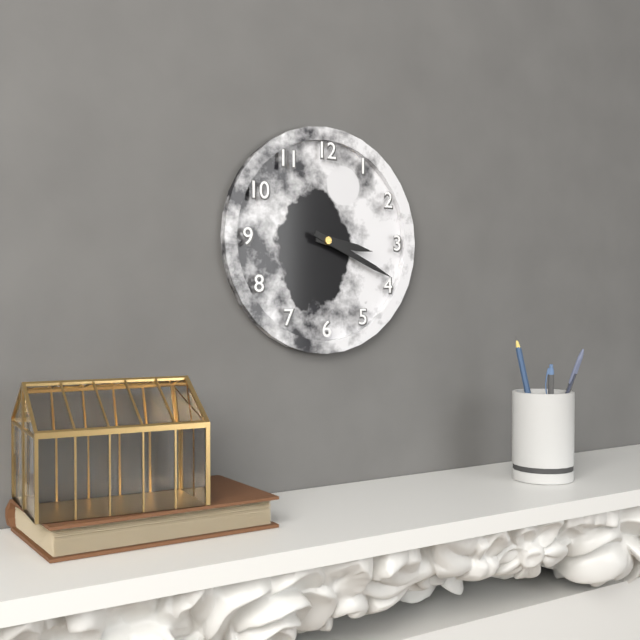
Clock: 3,19
